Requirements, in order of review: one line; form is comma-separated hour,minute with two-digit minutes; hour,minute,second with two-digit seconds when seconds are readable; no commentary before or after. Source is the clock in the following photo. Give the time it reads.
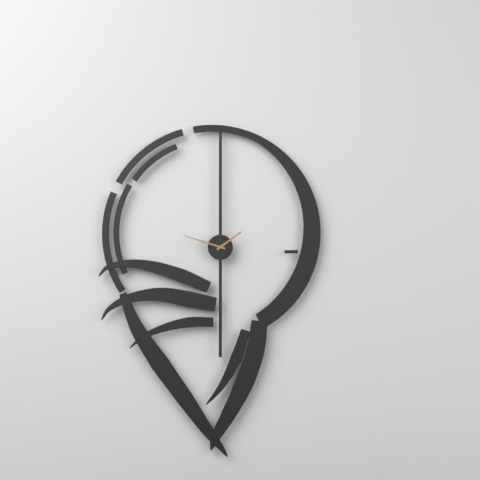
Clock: 1,48
